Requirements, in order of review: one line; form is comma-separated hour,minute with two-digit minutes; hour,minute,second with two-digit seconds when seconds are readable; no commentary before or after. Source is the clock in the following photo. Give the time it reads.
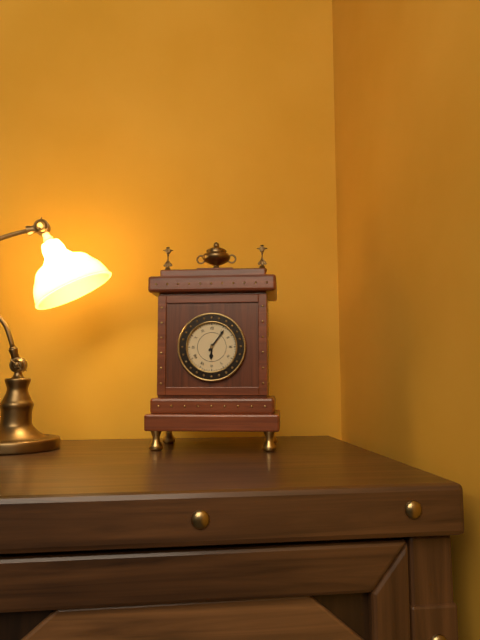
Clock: 6,06
